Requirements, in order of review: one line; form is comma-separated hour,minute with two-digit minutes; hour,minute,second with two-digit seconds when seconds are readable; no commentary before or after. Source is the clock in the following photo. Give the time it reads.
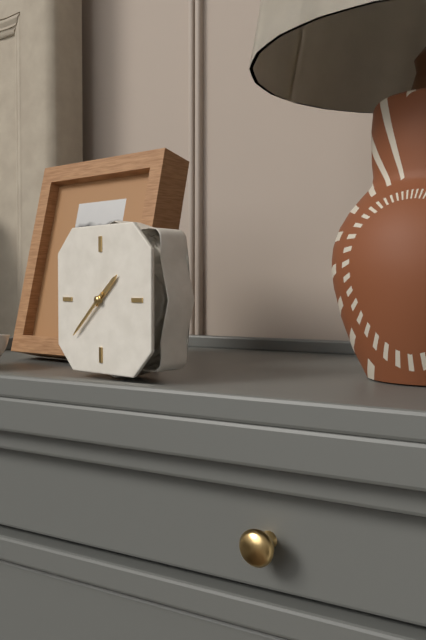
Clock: 1,38
